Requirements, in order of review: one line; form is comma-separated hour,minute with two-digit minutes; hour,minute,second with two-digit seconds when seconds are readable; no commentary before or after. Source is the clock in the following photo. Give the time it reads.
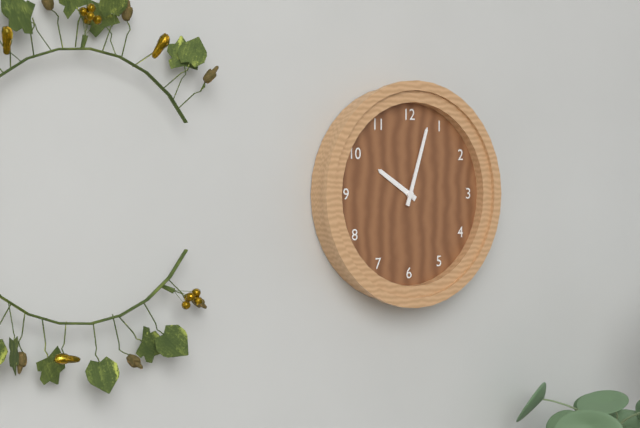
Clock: 10,03
